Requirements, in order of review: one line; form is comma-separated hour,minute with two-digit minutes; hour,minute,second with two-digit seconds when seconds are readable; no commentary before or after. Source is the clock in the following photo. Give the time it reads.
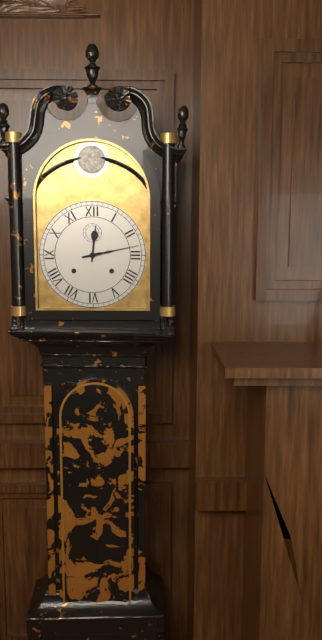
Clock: 12,13
